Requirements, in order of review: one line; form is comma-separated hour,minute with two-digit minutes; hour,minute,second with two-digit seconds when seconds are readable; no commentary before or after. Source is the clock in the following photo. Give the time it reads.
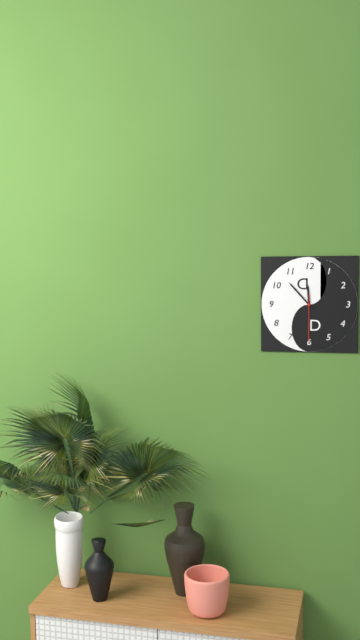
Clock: 11,53
